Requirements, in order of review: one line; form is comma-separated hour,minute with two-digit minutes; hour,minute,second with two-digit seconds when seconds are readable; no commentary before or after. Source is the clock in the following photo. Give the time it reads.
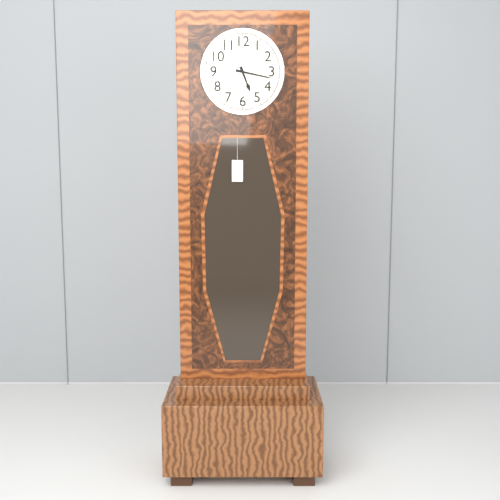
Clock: 5,17
